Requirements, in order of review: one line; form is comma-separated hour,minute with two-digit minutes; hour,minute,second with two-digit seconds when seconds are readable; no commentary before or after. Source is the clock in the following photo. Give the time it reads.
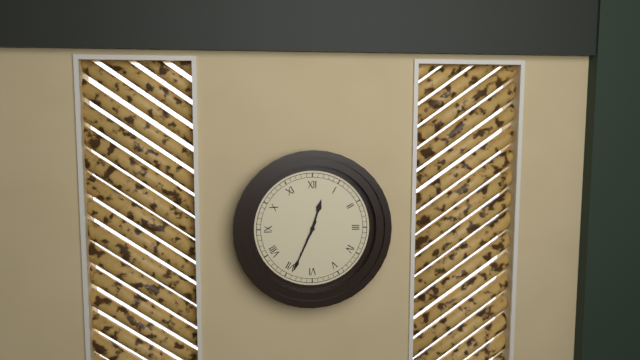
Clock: 12,34
